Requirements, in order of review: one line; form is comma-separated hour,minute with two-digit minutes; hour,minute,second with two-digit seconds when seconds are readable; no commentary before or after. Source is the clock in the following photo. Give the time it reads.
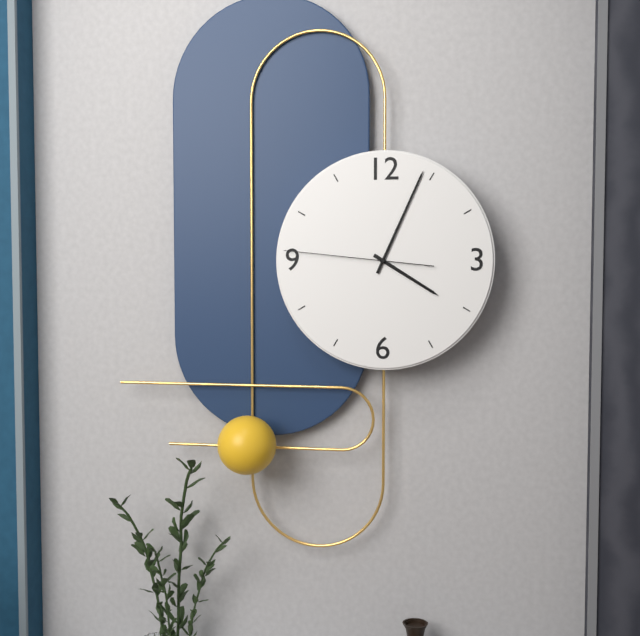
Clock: 4,04,46
